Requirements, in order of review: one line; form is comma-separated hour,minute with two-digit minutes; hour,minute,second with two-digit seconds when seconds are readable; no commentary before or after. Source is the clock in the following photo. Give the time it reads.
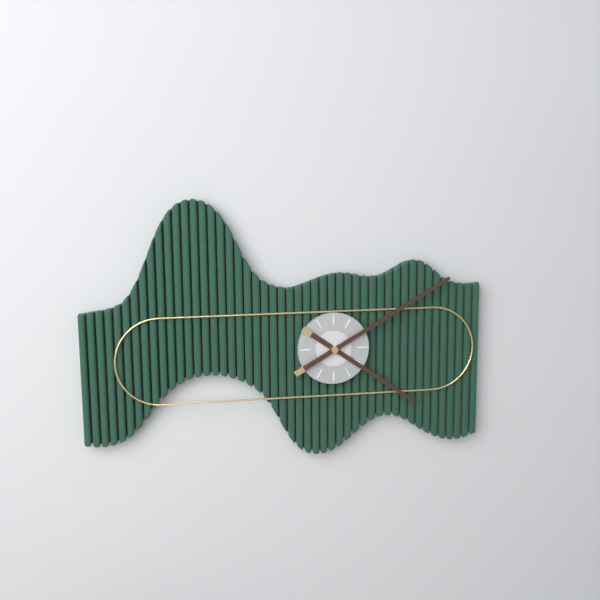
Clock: 4,10
